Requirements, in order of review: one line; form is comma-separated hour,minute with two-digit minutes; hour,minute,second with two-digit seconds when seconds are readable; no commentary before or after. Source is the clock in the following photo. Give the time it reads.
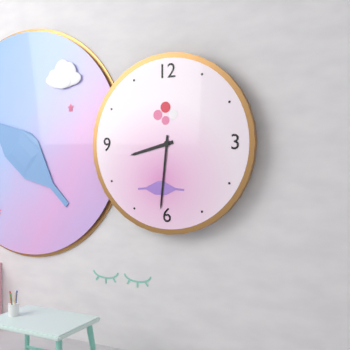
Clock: 8,31
